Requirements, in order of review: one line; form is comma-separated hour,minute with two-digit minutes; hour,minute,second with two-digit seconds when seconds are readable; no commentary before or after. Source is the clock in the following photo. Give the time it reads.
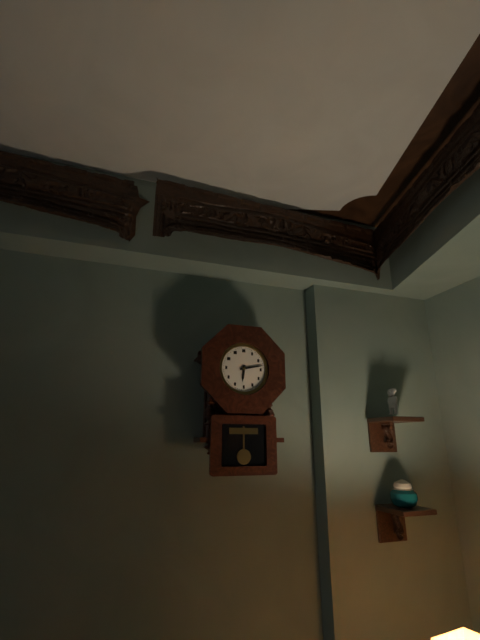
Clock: 6,13
